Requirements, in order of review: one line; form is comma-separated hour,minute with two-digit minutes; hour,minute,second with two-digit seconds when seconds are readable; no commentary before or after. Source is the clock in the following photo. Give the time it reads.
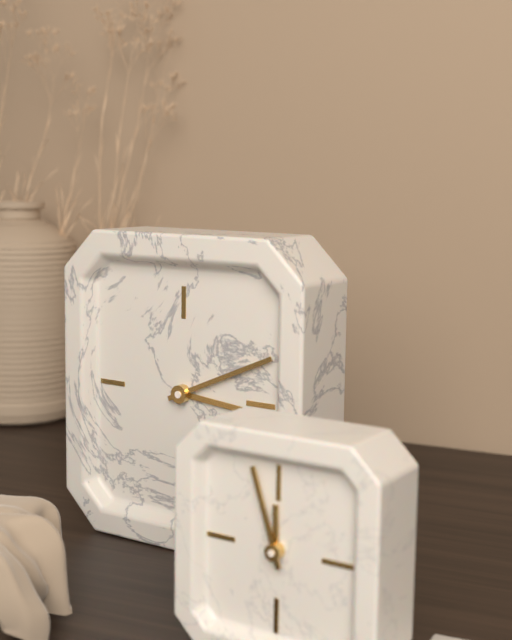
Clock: 3,11
